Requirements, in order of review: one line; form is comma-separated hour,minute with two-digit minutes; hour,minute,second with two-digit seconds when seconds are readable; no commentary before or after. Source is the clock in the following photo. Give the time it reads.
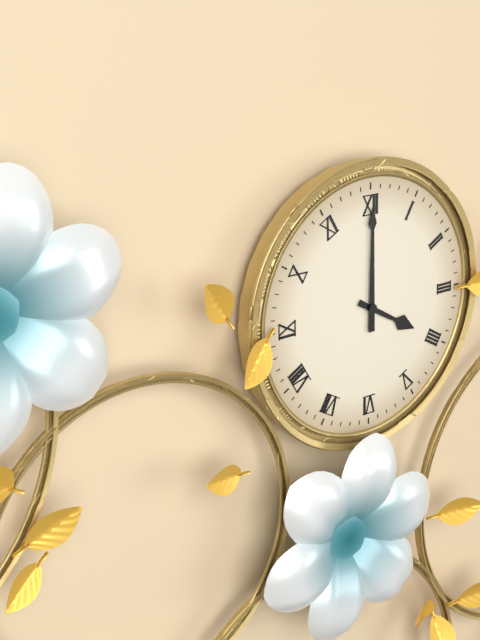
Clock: 4,00
